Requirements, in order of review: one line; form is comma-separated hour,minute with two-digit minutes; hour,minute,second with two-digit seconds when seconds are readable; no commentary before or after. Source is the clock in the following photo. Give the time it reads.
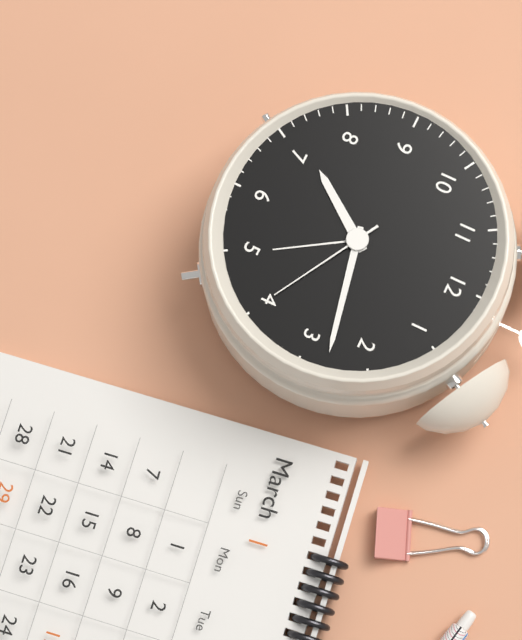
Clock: 7,13,20
